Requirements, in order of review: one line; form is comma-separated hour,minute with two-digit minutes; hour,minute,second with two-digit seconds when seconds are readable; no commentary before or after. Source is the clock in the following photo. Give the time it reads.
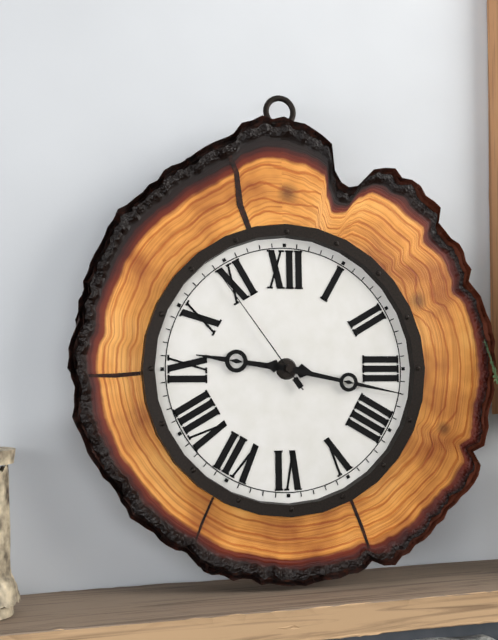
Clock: 9,17,54
